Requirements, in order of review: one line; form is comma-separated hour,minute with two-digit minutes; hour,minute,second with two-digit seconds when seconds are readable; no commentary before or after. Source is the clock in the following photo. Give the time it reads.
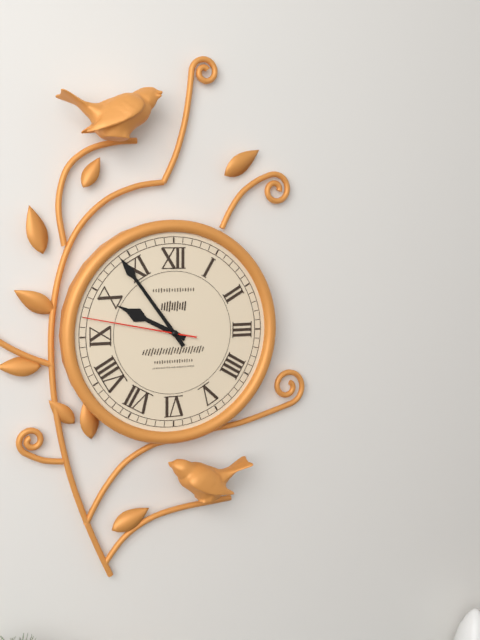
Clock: 9,54,47
